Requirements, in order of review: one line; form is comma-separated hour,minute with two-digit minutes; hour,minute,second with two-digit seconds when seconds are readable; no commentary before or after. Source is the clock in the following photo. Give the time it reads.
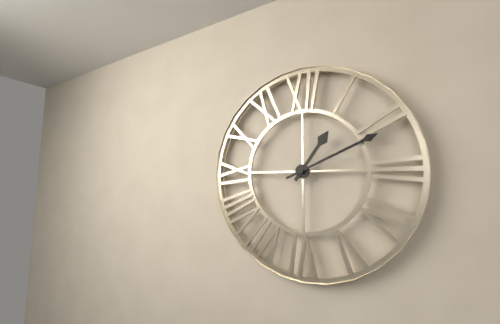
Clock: 1,11
